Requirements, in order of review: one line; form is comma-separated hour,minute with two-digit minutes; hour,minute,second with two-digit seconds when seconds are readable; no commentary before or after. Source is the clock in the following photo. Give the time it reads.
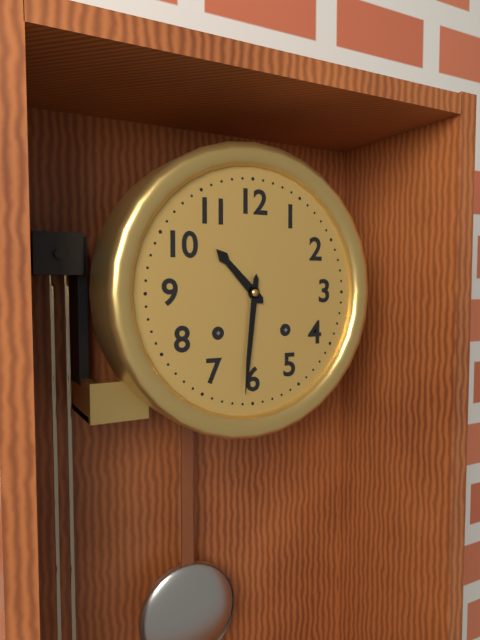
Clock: 10,31
